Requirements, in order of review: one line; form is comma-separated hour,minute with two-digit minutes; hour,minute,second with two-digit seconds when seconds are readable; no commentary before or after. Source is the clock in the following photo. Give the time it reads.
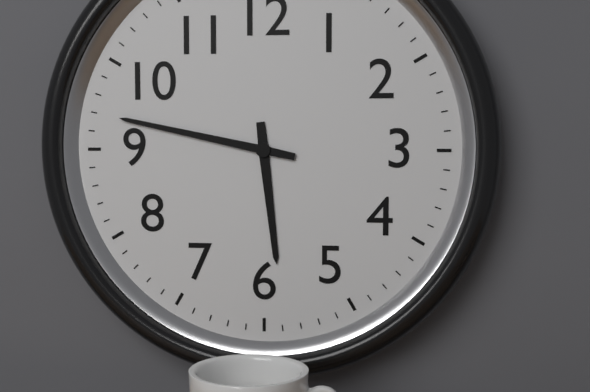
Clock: 5,47
